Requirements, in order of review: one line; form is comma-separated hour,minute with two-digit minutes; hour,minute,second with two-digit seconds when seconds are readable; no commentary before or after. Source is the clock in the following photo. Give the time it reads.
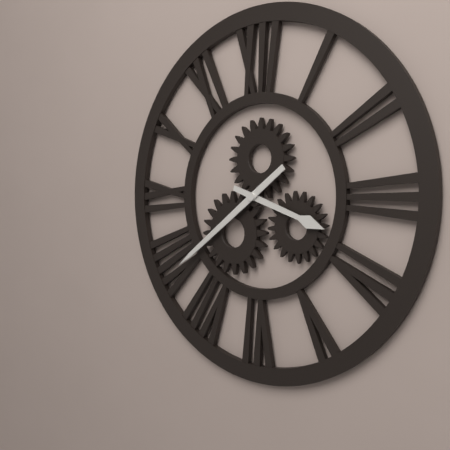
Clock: 3,39
